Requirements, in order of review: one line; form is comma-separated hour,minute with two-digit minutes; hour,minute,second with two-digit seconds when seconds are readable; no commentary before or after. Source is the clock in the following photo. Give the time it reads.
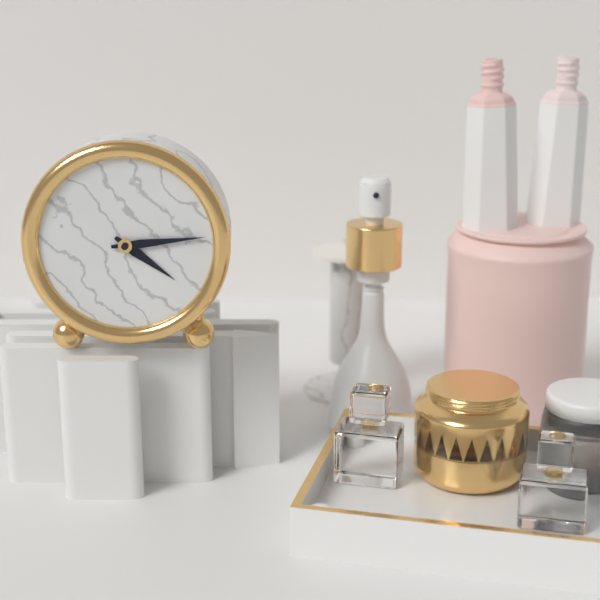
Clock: 4,14
